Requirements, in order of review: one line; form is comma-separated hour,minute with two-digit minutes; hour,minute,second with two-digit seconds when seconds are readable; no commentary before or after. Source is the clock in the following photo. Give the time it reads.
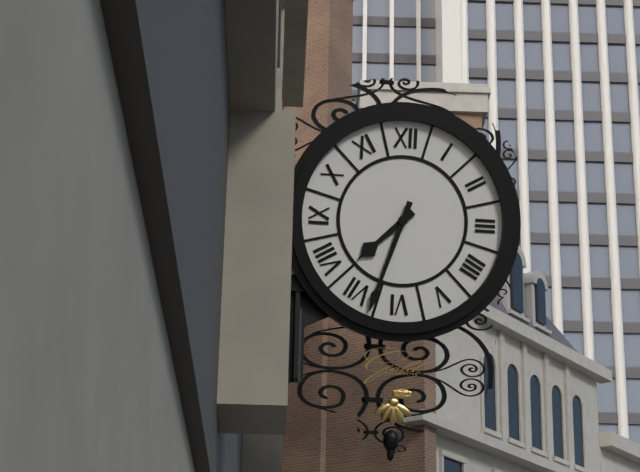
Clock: 7,33
